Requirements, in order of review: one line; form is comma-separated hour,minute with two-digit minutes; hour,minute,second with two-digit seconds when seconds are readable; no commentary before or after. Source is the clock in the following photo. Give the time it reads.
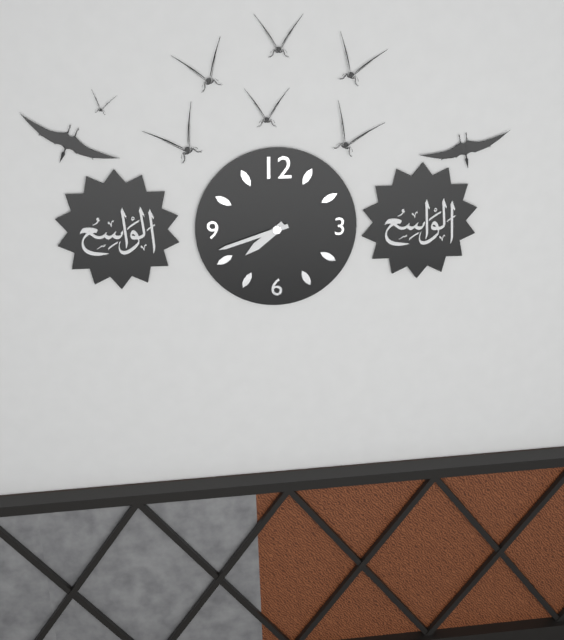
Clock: 7,42
